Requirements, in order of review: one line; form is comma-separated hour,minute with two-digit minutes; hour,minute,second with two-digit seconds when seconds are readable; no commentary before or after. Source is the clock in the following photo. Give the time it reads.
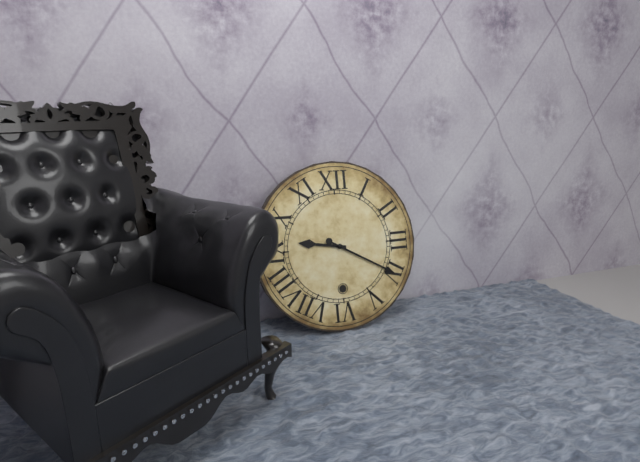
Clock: 9,20
